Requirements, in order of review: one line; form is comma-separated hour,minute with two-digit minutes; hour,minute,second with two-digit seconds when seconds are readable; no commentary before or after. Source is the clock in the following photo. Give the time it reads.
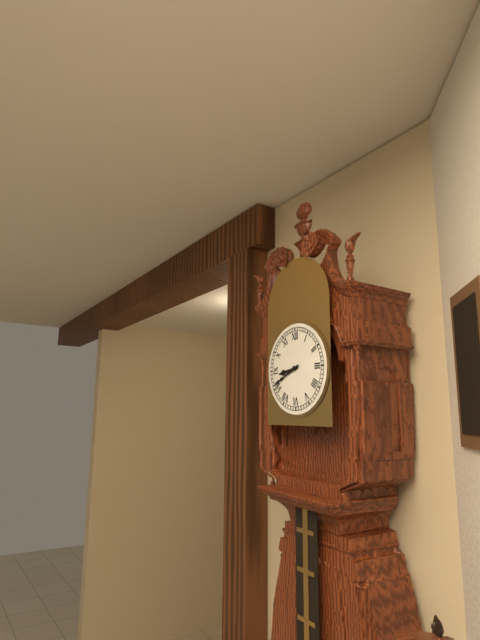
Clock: 8,41
